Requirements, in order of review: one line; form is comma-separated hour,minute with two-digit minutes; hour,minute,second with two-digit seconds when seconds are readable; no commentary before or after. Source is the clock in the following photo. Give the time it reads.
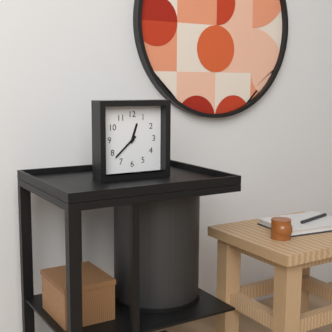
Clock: 12,38
